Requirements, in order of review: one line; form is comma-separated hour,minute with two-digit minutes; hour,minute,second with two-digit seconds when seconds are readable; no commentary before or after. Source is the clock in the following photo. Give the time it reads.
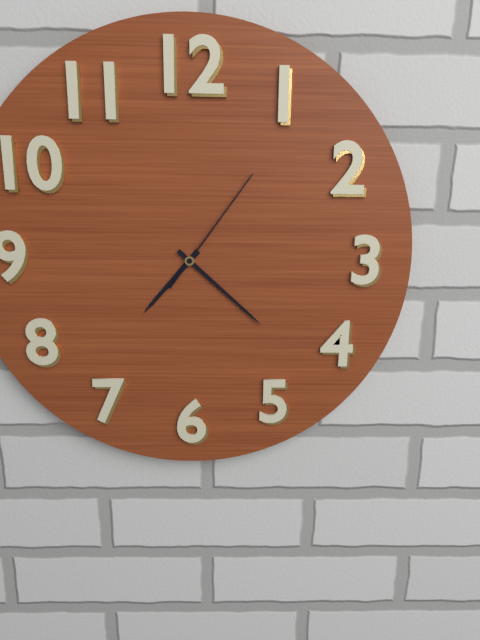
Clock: 7,22,06
